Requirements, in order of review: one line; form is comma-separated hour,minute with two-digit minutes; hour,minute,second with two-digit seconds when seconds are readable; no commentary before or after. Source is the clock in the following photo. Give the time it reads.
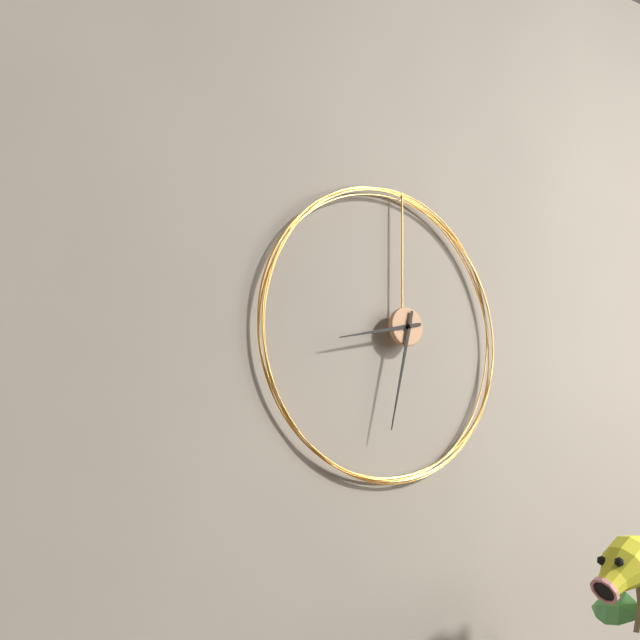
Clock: 8,32
